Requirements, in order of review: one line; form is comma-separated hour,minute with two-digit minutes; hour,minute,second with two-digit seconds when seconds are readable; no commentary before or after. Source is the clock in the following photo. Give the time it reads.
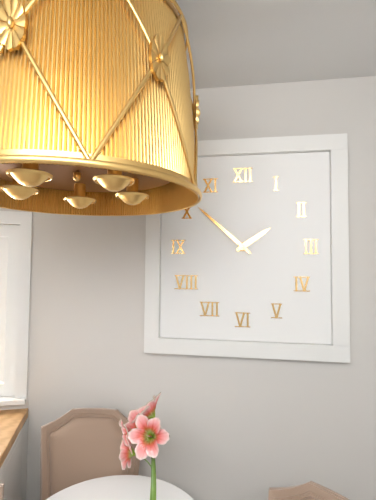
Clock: 1,52
